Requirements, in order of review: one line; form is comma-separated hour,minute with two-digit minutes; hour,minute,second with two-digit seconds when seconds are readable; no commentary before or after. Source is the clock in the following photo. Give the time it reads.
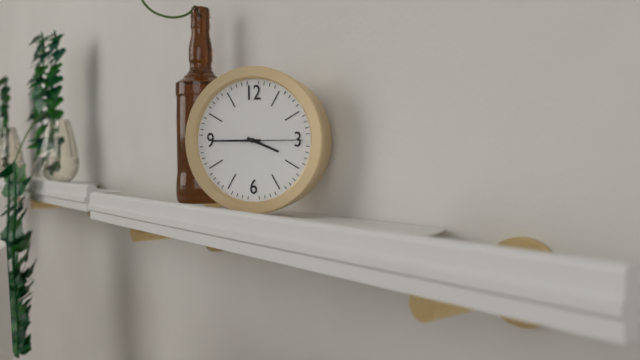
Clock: 3,45,15
